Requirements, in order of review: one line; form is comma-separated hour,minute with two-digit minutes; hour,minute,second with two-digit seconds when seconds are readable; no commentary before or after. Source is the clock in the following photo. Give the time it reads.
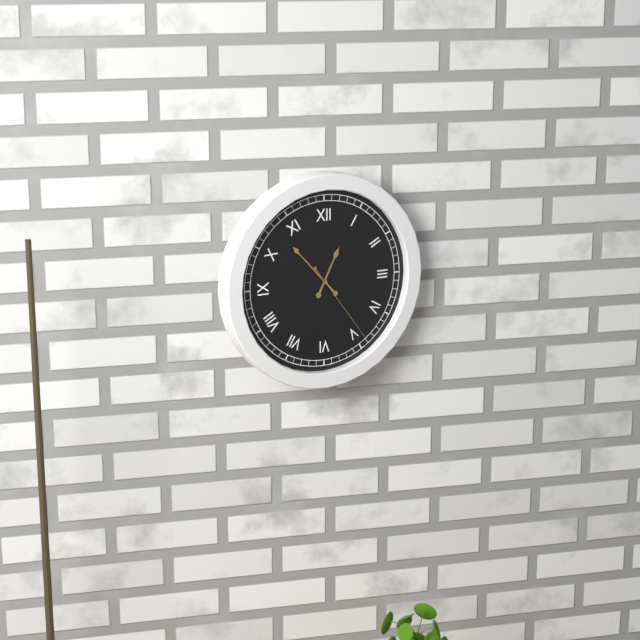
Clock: 12,53,24
